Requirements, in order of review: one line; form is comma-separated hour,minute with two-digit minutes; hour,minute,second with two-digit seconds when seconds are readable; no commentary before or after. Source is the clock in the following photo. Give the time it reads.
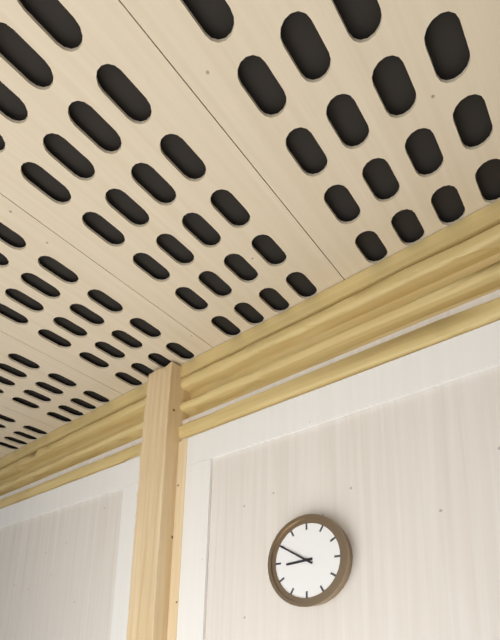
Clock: 8,50
